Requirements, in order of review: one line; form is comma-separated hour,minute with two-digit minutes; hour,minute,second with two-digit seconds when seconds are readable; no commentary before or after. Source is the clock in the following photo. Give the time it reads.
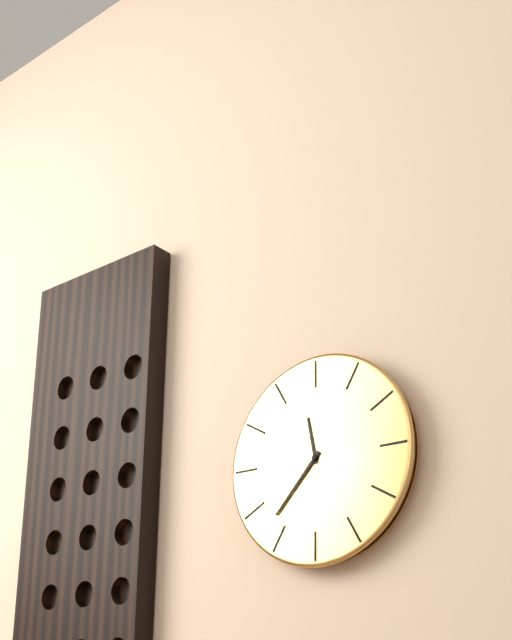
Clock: 11,37
